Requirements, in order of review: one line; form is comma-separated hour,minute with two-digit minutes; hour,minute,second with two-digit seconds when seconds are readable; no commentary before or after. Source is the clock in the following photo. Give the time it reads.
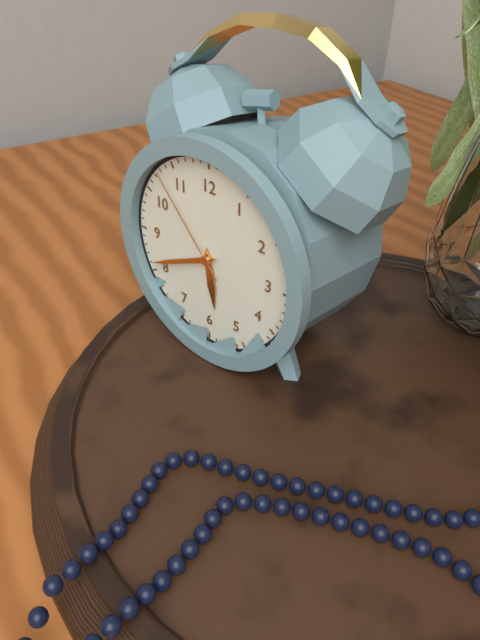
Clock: 5,41,53
